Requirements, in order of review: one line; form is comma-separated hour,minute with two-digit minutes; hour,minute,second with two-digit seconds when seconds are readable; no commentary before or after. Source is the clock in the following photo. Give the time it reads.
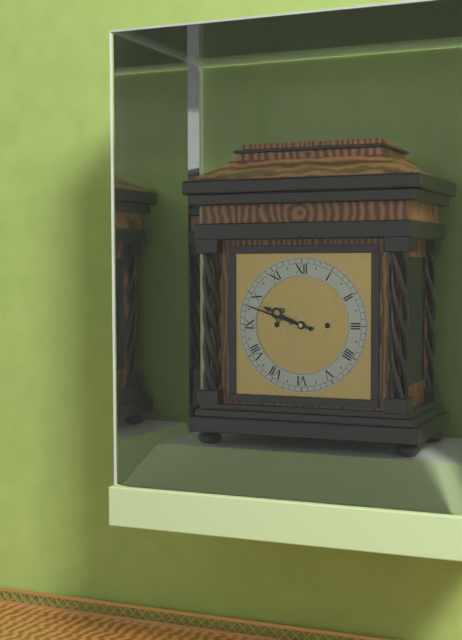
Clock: 9,48
